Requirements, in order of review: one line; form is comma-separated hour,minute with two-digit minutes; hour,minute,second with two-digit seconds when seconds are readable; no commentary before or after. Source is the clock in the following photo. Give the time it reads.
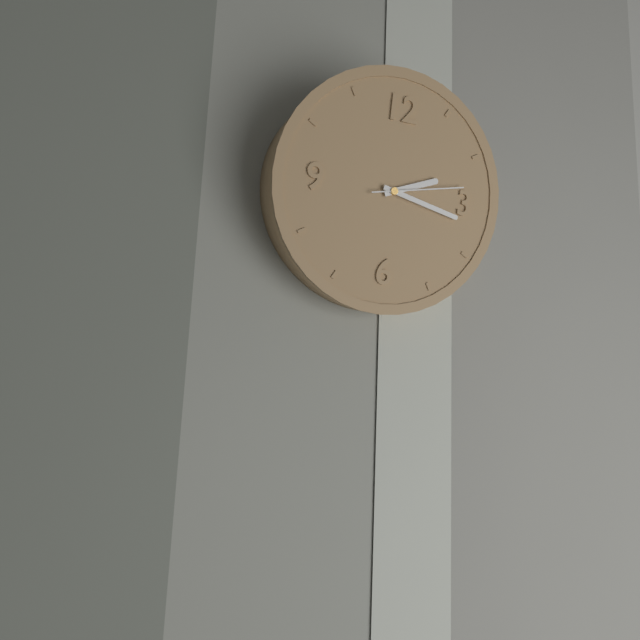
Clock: 2,17,13
